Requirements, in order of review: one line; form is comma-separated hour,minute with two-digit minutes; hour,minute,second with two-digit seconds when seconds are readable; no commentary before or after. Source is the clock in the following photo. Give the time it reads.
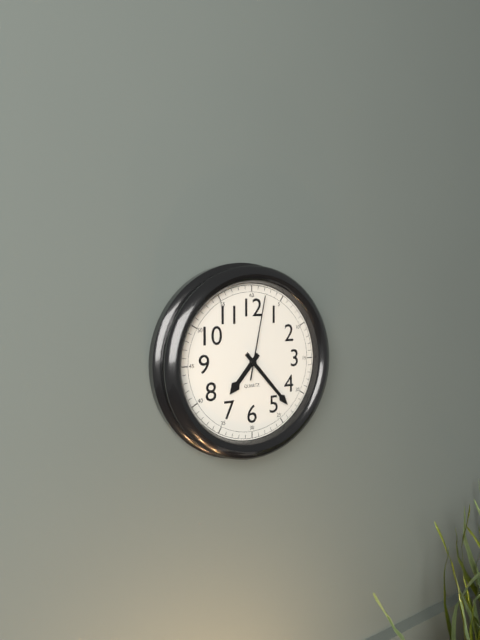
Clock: 7,23,02
